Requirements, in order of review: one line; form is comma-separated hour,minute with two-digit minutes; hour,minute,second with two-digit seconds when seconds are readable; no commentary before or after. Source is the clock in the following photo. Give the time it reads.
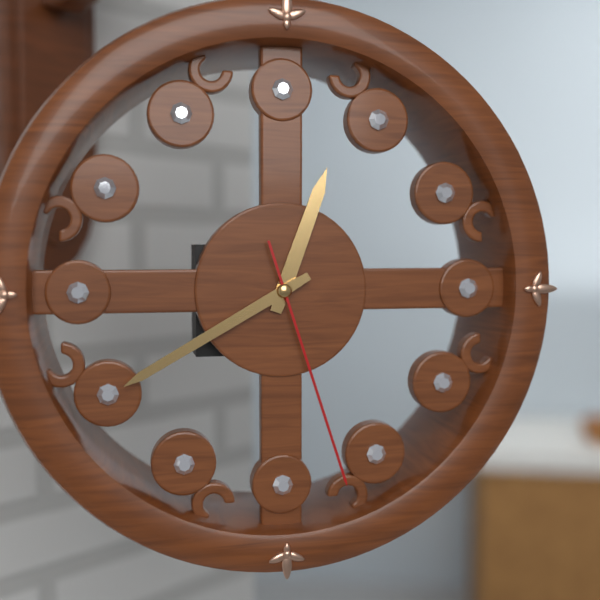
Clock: 12,40,27
